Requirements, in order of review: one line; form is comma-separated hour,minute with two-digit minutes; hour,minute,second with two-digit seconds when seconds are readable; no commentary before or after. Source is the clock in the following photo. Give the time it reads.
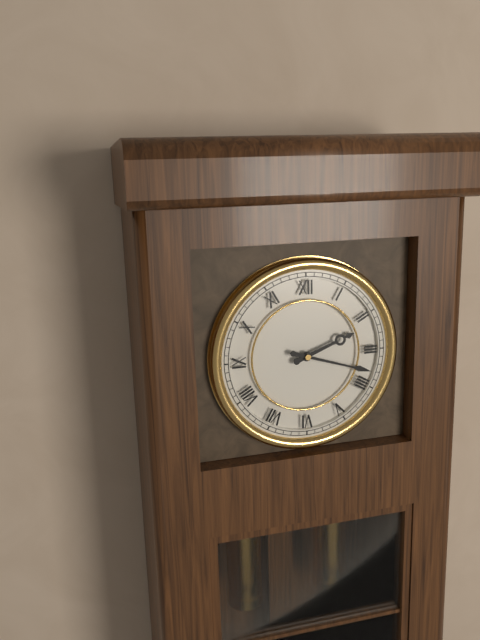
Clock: 2,18
